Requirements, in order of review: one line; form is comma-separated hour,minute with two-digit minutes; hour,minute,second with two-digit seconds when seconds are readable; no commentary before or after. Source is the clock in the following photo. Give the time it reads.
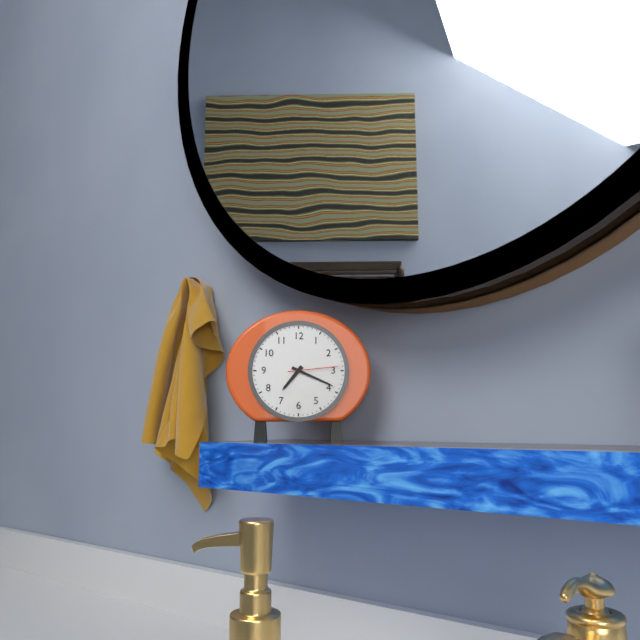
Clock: 7,19,14
